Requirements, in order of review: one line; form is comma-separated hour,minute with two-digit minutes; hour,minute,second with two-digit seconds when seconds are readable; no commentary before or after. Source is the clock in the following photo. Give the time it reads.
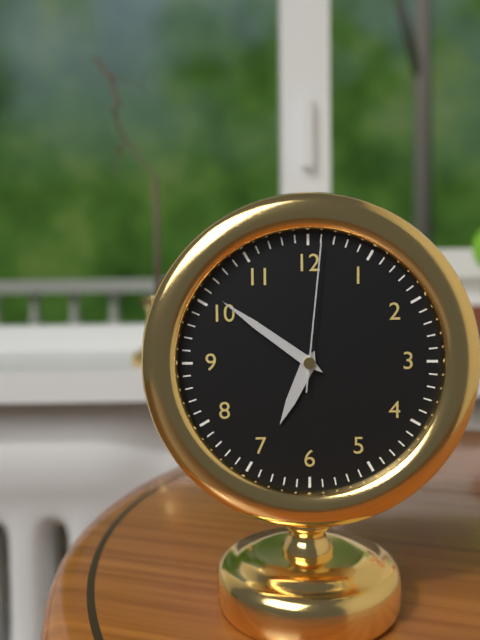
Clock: 6,51,01
